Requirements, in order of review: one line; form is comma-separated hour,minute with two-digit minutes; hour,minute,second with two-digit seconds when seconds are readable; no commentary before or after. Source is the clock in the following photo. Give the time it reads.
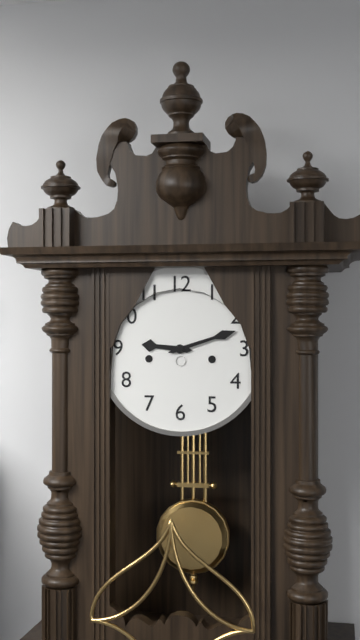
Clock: 9,12
